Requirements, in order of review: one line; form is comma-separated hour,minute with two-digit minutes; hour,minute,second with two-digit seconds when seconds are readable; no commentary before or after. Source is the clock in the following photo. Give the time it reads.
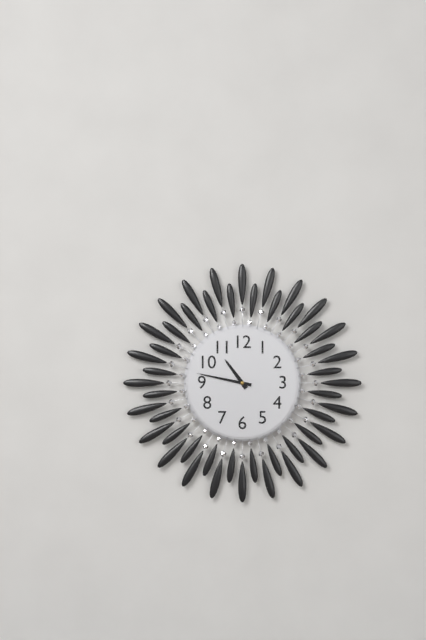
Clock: 10,47
